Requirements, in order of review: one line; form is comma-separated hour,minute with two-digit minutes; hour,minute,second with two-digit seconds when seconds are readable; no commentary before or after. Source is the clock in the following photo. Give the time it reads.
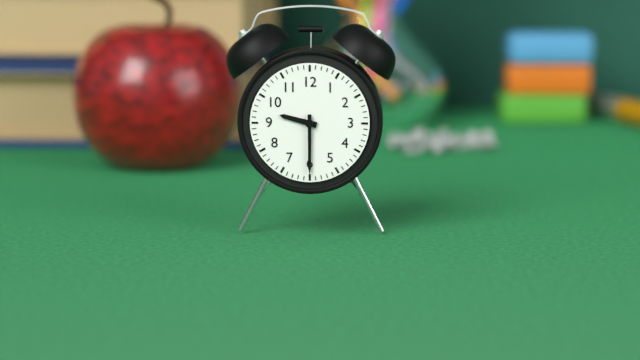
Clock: 9,30
